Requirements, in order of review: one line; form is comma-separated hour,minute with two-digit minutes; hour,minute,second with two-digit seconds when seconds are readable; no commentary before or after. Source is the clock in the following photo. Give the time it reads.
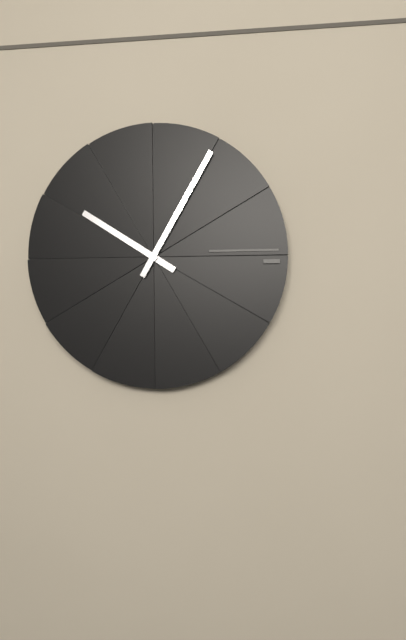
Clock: 10,05
